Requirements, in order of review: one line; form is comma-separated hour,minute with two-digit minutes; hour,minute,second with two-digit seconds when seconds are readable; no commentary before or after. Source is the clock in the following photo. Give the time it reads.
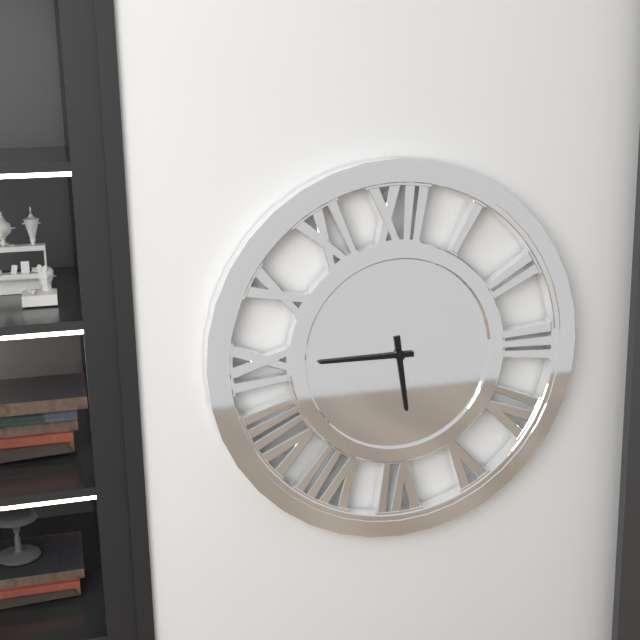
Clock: 5,45
